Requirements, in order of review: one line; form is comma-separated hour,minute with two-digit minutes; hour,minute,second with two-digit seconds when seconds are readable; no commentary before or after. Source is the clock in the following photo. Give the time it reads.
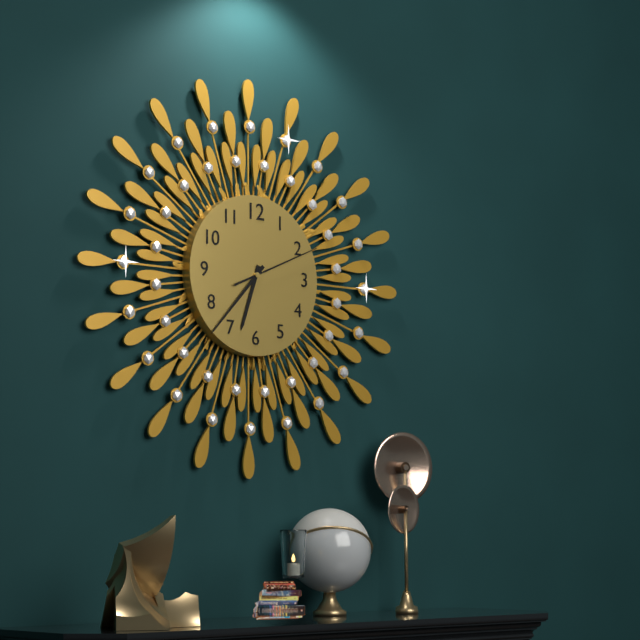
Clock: 6,37,11
